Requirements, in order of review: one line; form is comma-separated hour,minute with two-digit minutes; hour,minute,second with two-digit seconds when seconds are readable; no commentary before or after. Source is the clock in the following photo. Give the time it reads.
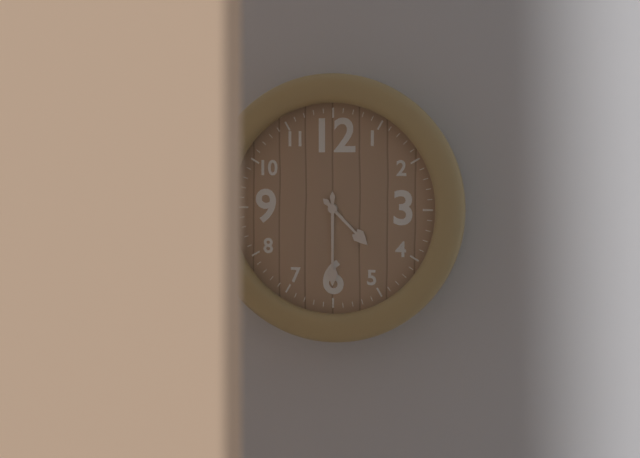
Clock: 4,30
